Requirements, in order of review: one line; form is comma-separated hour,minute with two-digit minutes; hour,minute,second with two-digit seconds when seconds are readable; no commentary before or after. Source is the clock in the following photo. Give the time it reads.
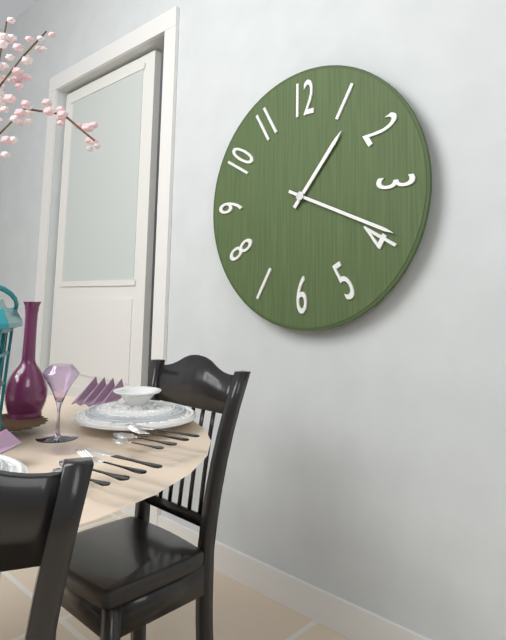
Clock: 1,19
